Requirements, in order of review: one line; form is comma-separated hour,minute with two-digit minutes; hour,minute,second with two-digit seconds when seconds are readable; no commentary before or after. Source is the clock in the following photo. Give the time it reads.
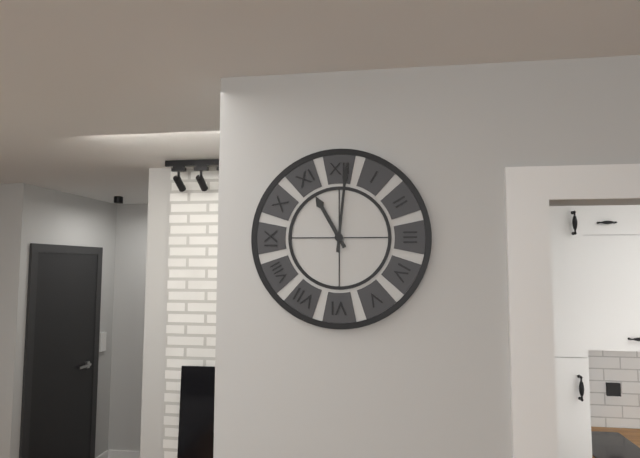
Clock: 11,01
